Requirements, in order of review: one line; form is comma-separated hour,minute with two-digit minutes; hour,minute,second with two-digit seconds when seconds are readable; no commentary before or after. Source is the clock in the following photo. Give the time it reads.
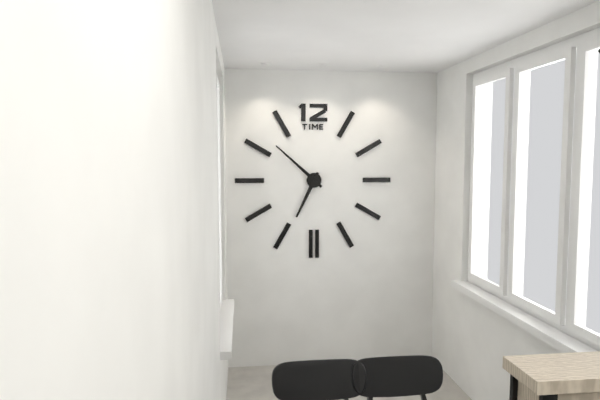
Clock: 6,52
